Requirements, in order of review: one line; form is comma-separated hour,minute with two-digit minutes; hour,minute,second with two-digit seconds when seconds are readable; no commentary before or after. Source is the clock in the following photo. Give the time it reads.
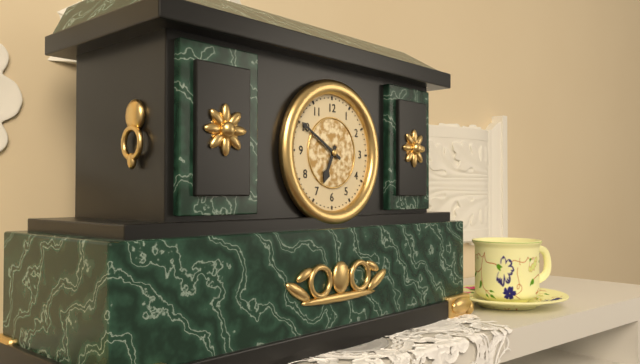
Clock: 6,50
